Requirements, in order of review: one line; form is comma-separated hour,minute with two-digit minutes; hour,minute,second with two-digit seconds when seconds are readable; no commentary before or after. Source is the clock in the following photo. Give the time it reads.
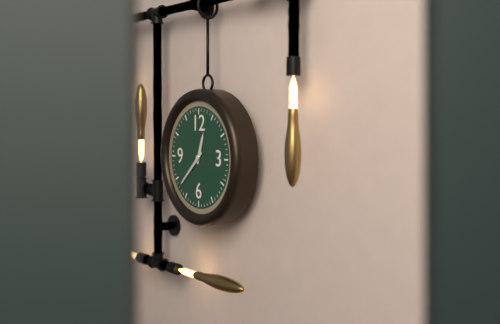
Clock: 12,38
